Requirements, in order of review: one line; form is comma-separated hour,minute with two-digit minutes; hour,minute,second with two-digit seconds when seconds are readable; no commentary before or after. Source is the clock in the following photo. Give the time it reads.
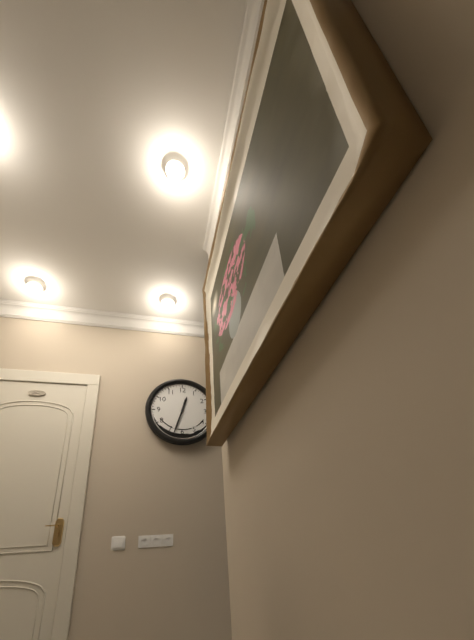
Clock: 12,33
